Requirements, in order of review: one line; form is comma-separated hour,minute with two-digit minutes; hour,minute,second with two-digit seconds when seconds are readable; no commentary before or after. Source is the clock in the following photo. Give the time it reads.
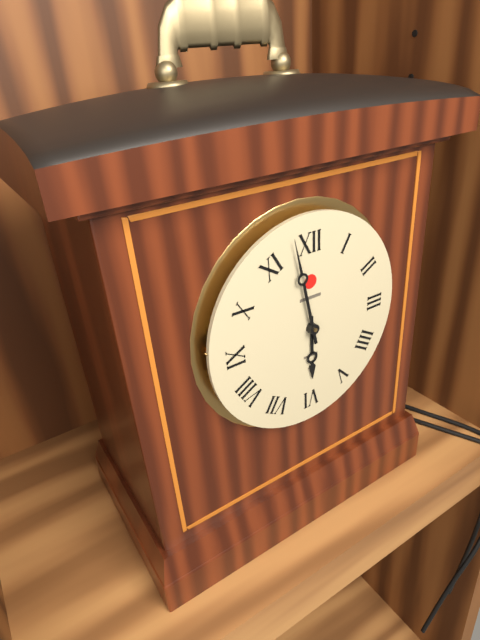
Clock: 5,58
